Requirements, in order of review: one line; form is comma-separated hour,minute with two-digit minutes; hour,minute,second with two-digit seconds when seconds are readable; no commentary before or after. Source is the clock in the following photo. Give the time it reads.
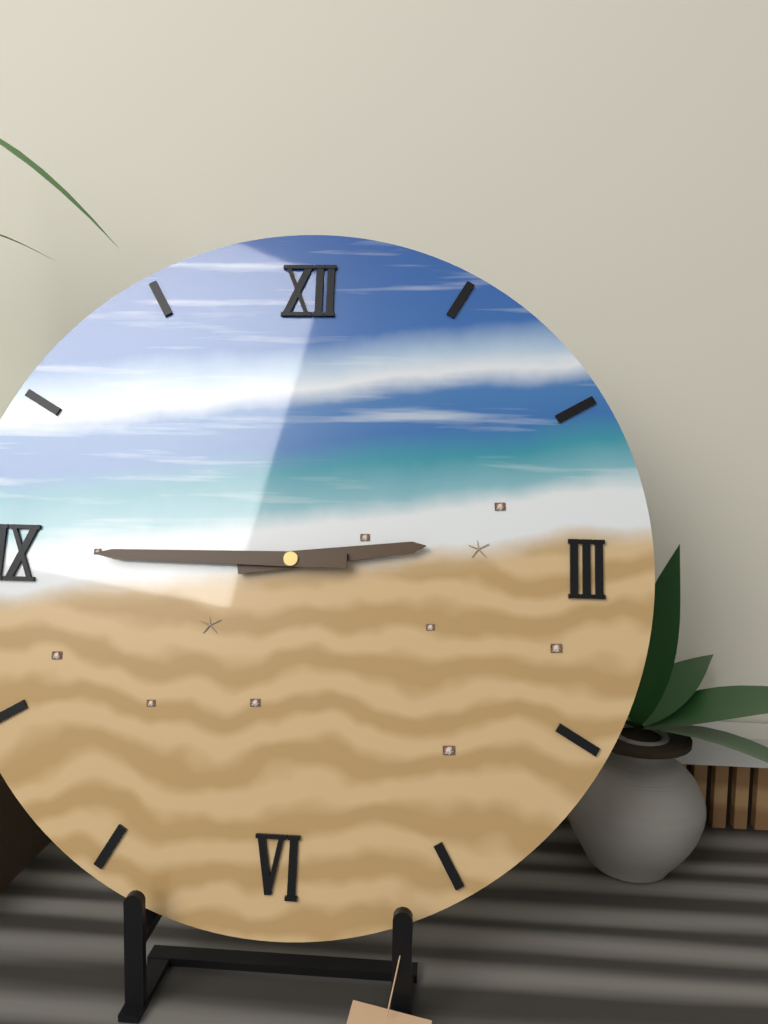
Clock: 2,45
